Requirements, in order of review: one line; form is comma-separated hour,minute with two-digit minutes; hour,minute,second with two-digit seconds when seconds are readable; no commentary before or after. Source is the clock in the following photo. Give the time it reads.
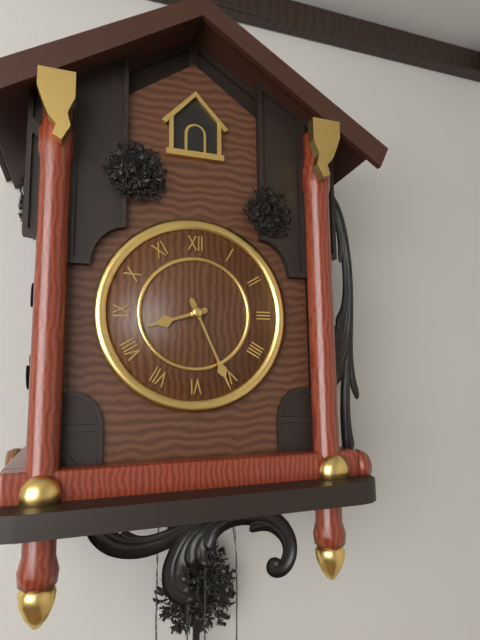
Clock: 8,26
